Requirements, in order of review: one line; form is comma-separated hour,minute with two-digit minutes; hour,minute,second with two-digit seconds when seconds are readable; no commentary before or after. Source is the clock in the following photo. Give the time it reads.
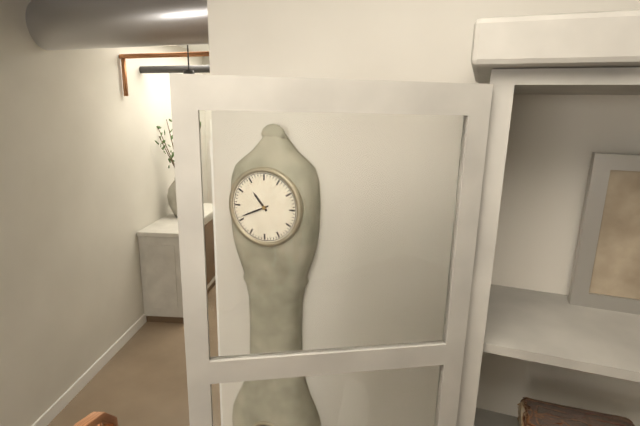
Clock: 10,41
